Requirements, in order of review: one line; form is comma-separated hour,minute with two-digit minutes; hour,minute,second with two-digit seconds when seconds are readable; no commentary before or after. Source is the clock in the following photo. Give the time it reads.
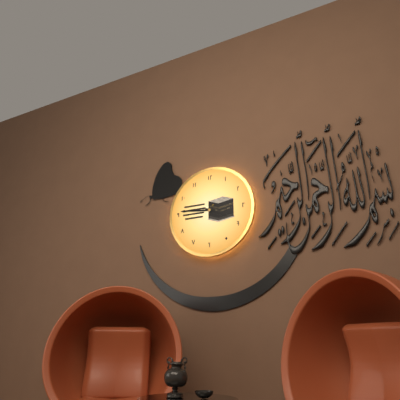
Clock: 3,46
